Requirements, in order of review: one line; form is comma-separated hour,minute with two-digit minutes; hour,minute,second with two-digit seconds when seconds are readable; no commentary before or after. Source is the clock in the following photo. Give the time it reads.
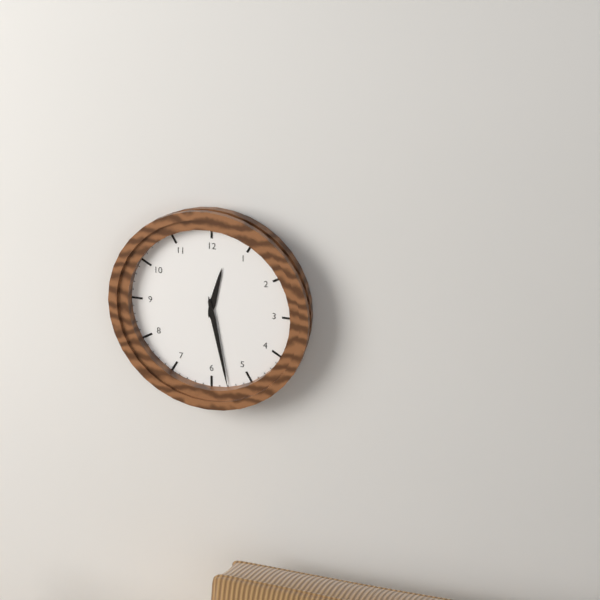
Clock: 12,28
